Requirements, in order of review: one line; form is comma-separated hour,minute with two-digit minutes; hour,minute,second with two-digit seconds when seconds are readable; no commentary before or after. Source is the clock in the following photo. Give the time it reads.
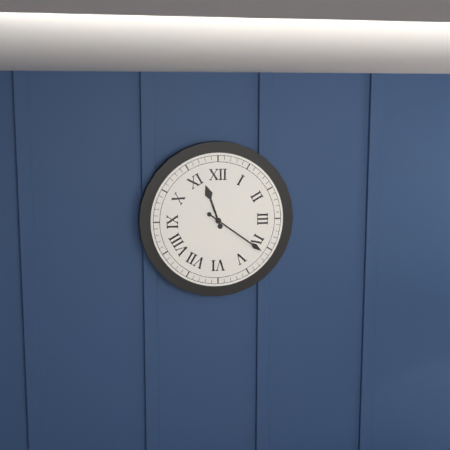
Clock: 11,21
